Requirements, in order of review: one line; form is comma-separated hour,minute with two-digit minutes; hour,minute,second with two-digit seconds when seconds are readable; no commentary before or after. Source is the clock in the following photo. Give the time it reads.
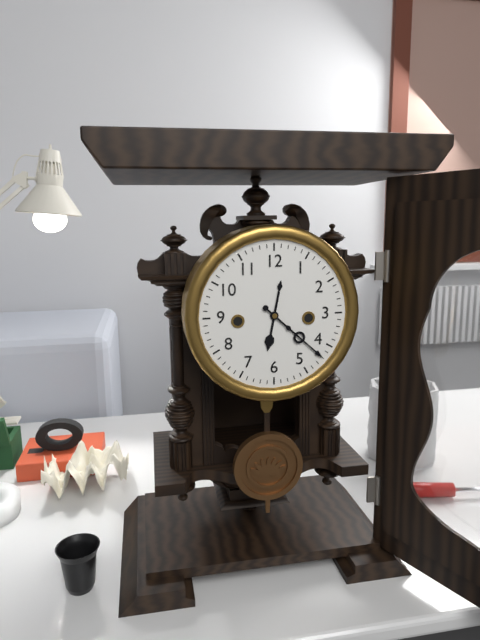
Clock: 6,22
